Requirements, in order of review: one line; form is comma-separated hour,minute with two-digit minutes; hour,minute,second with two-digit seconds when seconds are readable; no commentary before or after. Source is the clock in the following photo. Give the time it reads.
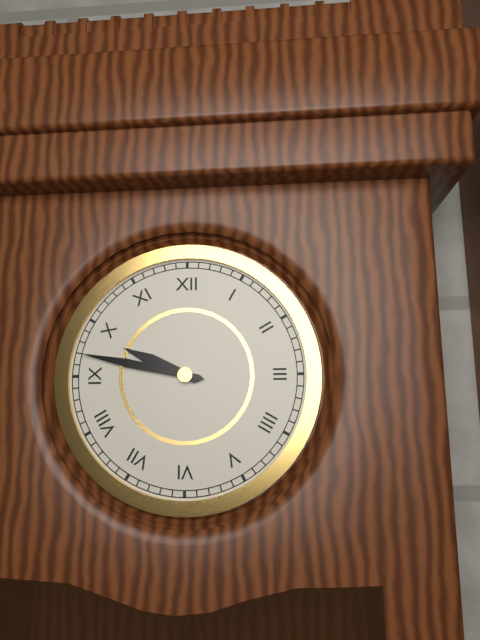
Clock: 9,47
